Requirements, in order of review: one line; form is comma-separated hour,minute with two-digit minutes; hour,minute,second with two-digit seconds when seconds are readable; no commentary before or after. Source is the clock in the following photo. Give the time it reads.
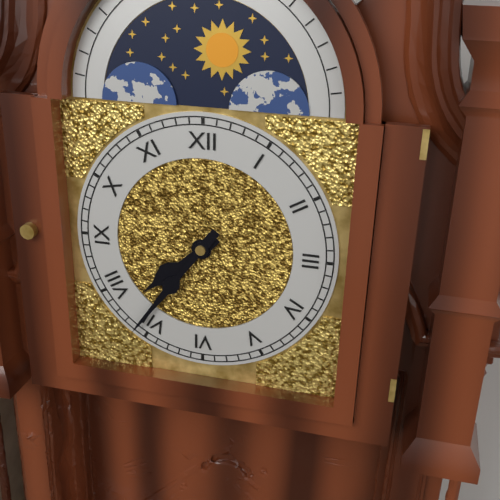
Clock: 7,36
